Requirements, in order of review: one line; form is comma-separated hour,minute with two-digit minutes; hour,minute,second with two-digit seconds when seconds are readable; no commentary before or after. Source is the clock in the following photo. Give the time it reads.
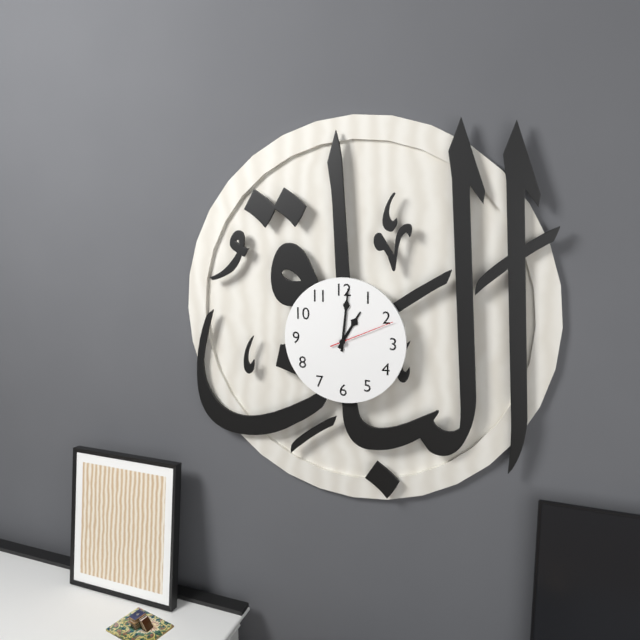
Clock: 1,01,11
